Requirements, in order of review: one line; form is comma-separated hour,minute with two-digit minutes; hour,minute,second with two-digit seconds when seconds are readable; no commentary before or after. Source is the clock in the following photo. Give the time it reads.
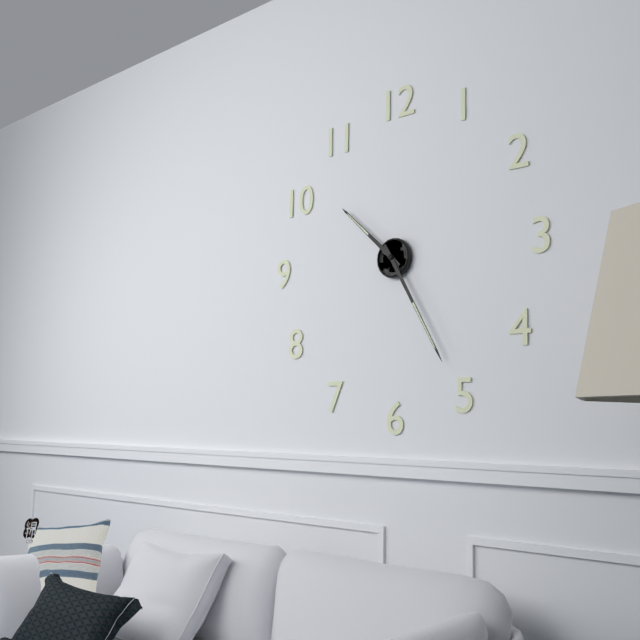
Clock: 10,25
